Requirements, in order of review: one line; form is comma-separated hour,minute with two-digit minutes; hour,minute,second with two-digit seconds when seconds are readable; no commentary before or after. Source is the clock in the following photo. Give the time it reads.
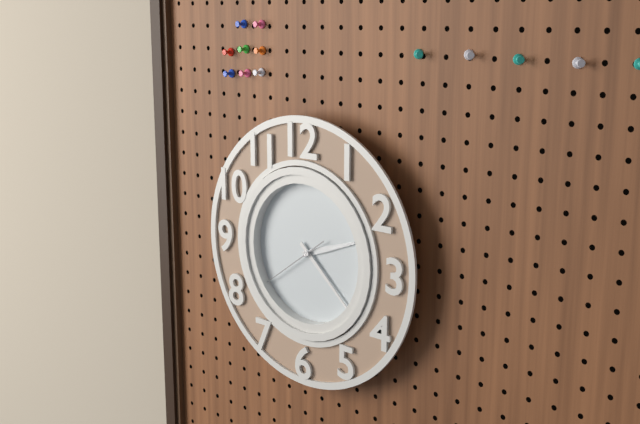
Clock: 2,22,39
